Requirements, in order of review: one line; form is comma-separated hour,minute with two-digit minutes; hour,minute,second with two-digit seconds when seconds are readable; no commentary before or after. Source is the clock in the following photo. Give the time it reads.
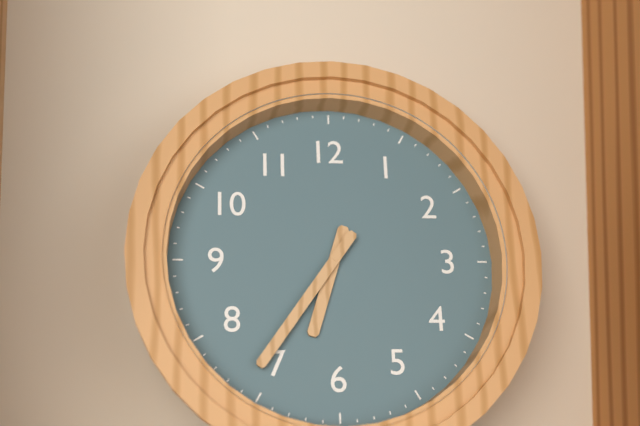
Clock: 6,36
